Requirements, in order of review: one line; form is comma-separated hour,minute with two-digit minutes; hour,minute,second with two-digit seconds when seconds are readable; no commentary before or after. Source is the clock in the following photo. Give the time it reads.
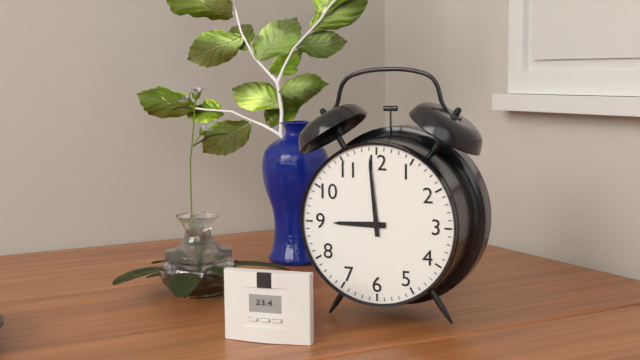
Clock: 8,59
